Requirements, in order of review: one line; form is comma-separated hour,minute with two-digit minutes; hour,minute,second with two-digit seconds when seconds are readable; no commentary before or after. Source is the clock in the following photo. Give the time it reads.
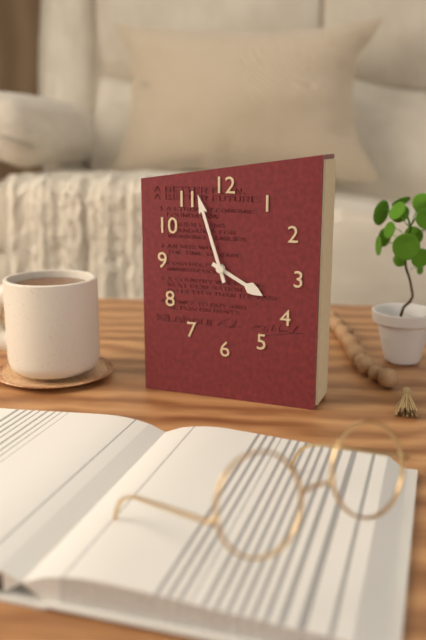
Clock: 3,57
